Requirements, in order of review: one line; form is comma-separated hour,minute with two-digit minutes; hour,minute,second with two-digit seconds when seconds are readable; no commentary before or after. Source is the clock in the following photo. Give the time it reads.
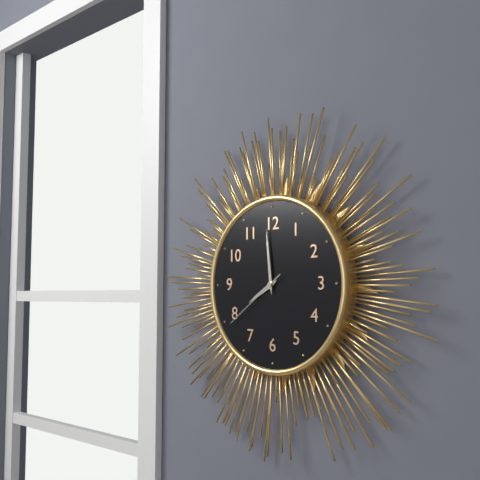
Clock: 7,59,39
